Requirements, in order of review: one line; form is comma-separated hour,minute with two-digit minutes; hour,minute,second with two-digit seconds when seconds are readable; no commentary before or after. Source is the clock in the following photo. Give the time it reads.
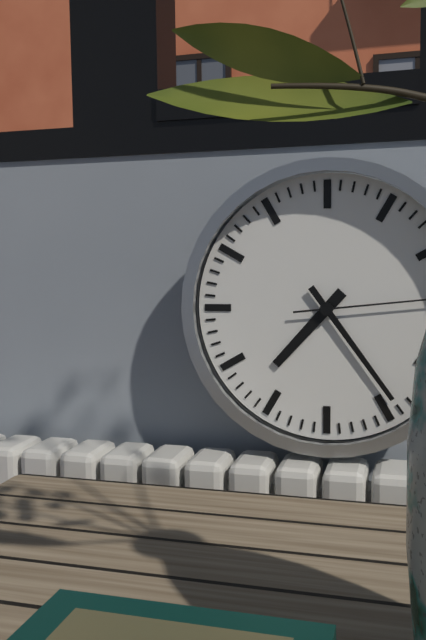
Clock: 7,24
